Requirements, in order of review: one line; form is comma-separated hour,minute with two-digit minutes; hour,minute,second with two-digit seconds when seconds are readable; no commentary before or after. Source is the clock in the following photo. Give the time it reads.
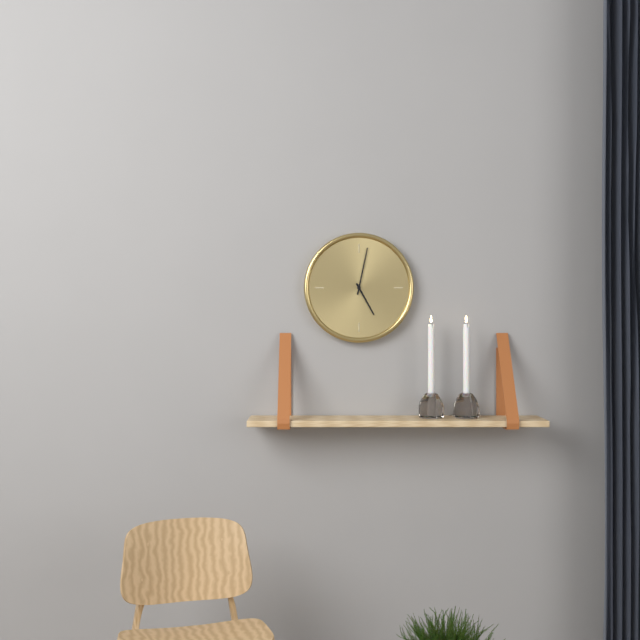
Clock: 5,02
